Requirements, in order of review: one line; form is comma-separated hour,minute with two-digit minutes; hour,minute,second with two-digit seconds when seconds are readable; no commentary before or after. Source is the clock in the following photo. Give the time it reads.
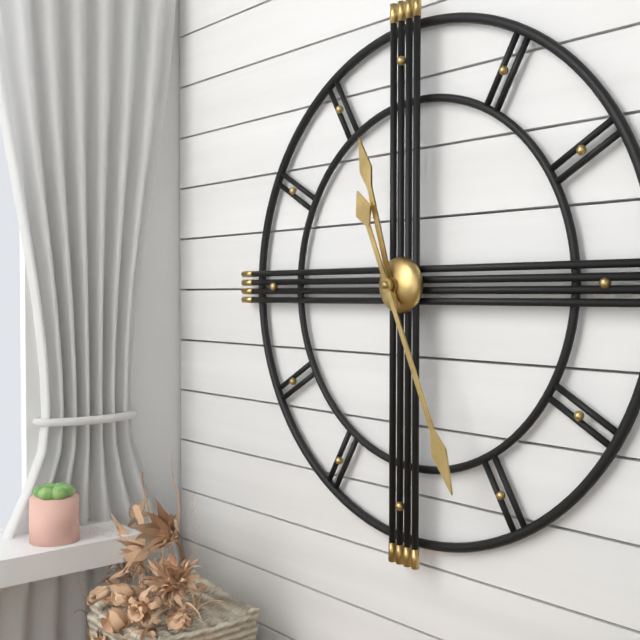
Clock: 11,26
